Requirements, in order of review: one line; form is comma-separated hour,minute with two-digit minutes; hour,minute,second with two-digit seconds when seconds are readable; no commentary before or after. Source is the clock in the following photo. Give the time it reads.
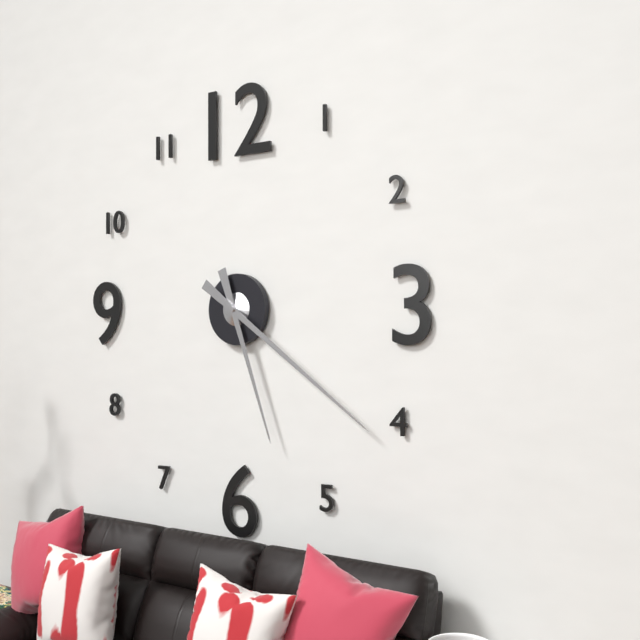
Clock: 5,21
